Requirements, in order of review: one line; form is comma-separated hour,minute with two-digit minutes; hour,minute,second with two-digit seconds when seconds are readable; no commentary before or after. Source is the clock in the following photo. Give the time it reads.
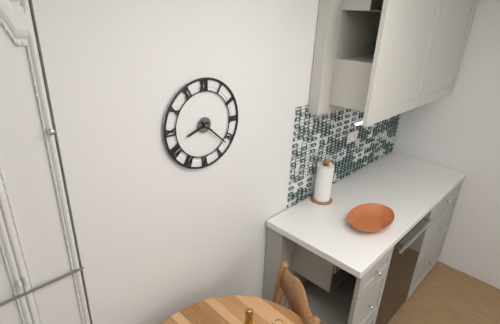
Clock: 8,22
